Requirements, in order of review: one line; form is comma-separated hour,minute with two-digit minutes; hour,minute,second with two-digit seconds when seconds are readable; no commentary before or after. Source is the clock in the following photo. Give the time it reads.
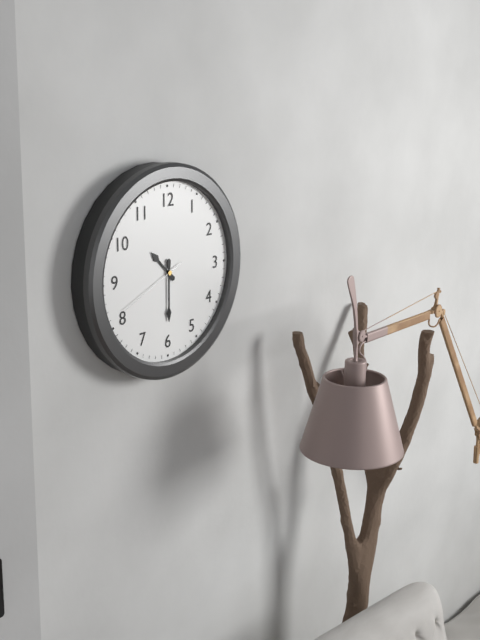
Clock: 10,30,41
